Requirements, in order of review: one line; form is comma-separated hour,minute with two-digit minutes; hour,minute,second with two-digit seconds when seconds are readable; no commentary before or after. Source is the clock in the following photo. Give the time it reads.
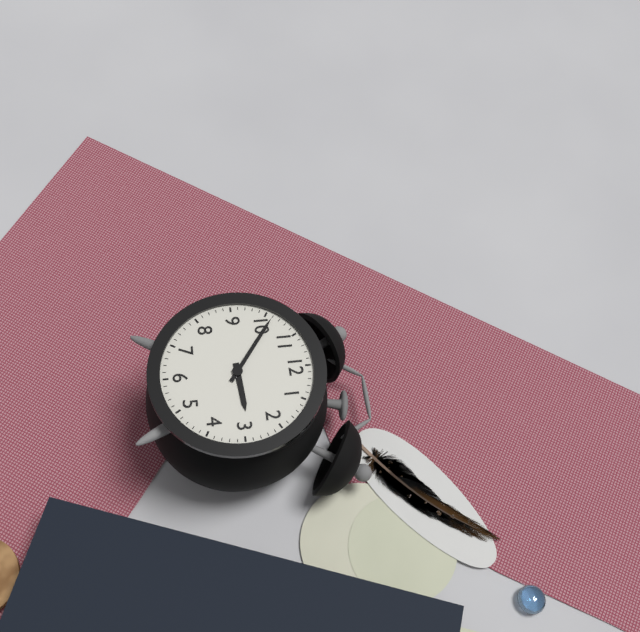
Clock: 2,51
